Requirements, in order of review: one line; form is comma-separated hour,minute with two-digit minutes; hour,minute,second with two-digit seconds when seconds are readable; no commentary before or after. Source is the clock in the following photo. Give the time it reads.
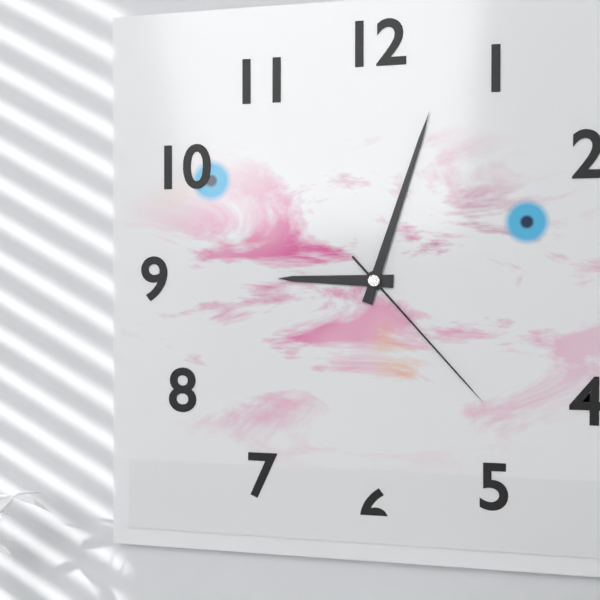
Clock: 9,03,23
